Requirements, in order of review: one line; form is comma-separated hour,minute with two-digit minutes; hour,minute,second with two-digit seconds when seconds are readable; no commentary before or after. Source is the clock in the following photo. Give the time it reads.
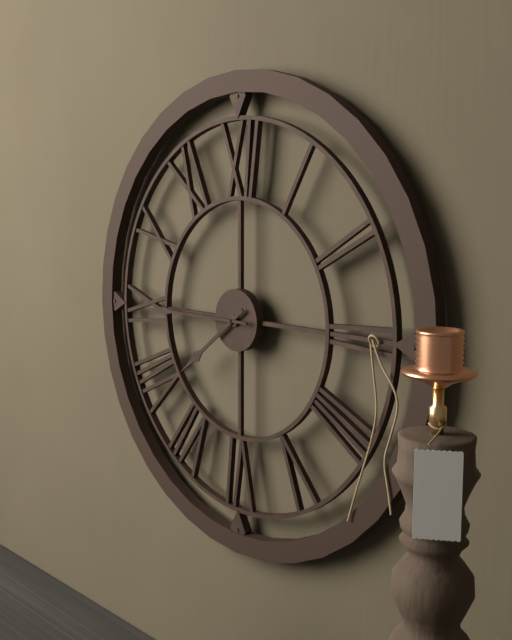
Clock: 7,45
